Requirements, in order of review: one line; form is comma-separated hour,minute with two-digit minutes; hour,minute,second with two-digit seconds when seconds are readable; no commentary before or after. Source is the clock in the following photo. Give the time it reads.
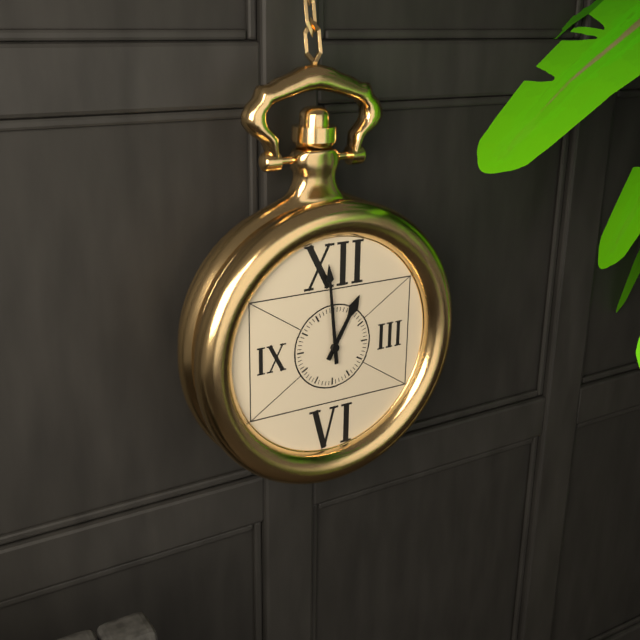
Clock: 12,59
